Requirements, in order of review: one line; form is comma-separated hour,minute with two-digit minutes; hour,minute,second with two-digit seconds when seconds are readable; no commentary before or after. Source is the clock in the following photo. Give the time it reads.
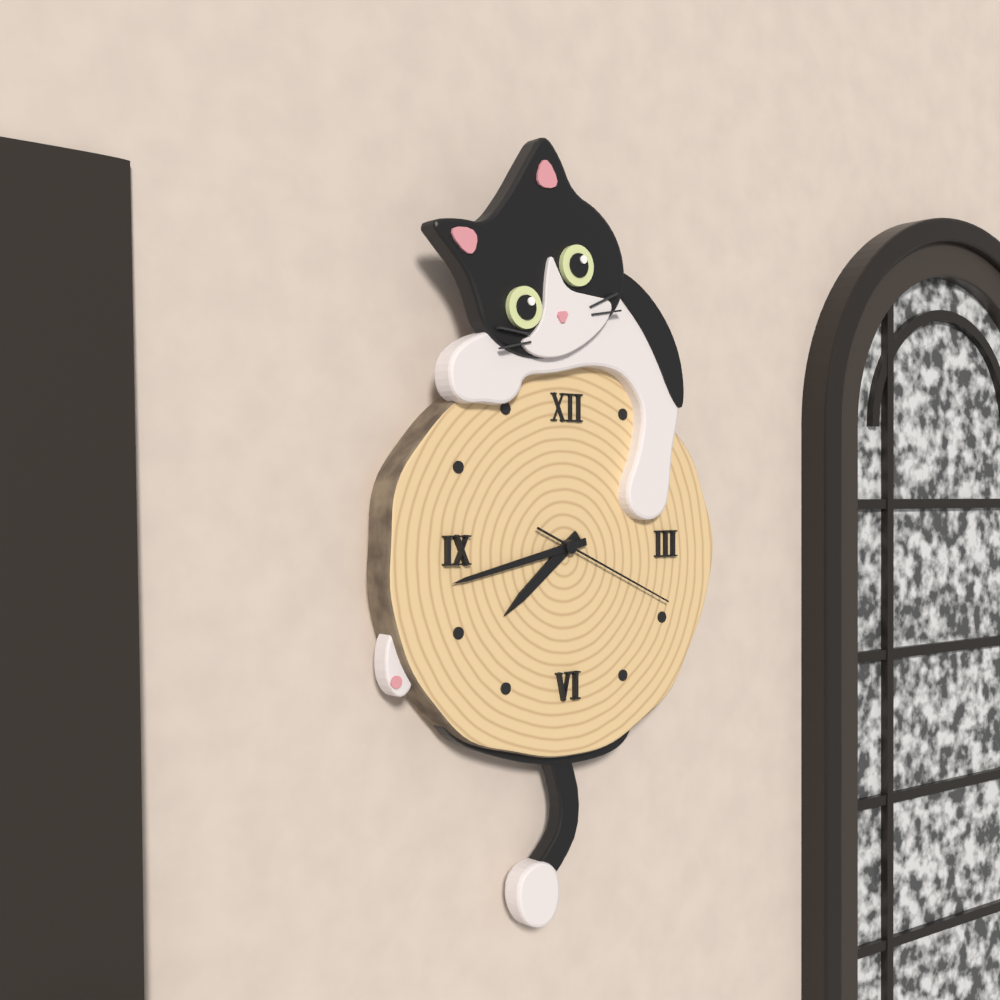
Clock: 7,43,19
